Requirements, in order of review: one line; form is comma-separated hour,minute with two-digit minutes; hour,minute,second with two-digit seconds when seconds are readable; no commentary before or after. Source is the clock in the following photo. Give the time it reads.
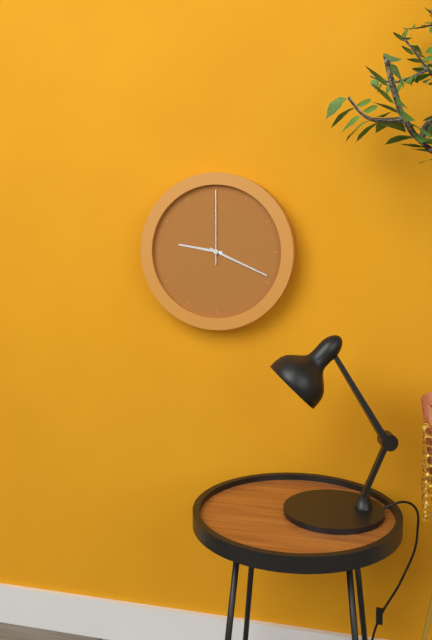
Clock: 9,19,00
